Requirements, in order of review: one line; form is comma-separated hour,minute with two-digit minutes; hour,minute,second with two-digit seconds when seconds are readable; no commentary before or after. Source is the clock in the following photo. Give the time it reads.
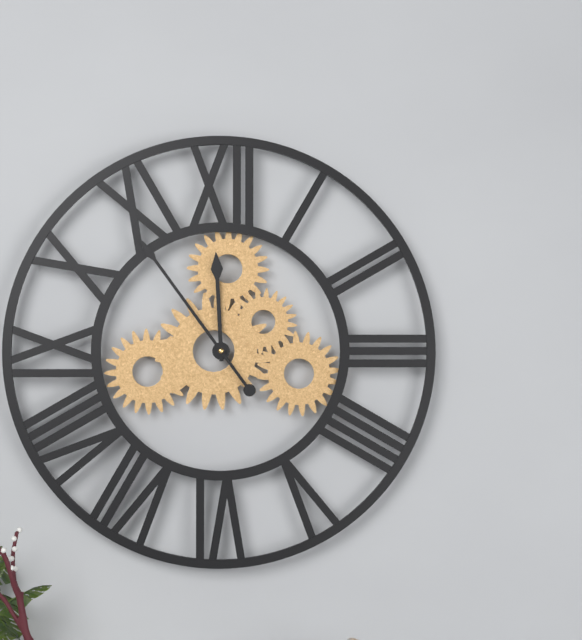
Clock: 11,54
